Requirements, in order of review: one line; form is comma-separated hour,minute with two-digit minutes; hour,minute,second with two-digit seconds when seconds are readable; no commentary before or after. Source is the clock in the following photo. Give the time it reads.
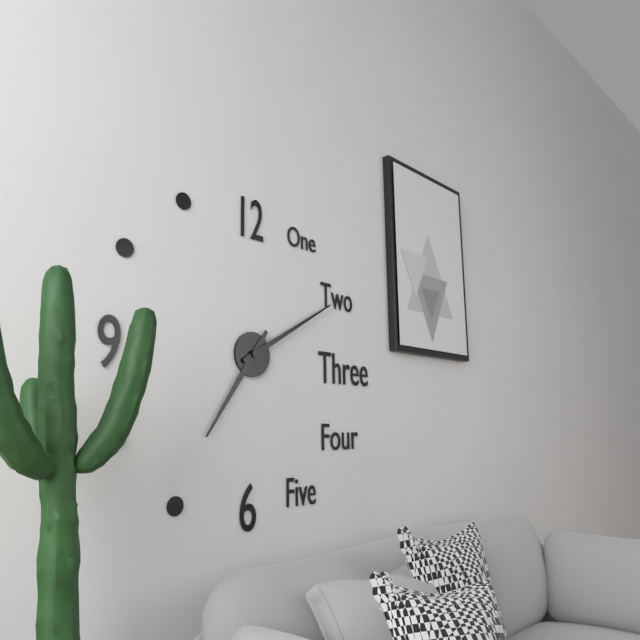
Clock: 7,10
